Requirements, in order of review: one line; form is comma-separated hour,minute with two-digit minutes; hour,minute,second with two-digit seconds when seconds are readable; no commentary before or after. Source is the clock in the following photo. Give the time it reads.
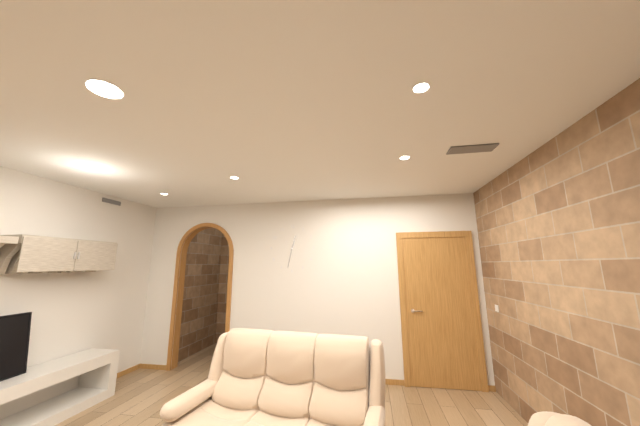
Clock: 12,32
